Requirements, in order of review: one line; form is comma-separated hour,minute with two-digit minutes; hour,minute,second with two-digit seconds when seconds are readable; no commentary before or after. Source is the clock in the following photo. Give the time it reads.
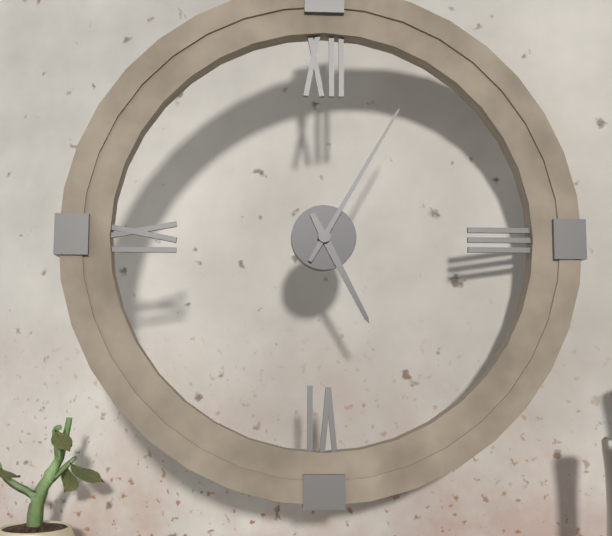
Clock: 5,05
